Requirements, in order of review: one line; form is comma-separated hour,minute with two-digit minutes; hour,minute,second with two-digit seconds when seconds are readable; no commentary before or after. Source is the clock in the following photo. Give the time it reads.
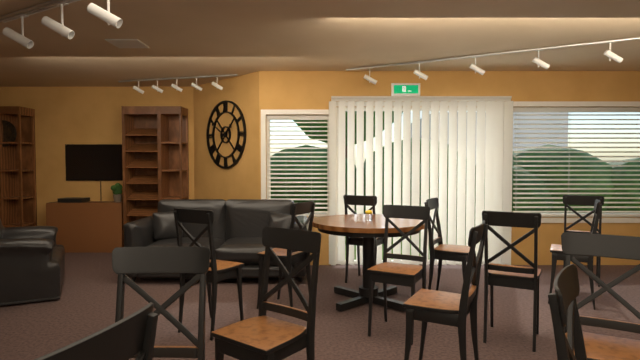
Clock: 1,50
